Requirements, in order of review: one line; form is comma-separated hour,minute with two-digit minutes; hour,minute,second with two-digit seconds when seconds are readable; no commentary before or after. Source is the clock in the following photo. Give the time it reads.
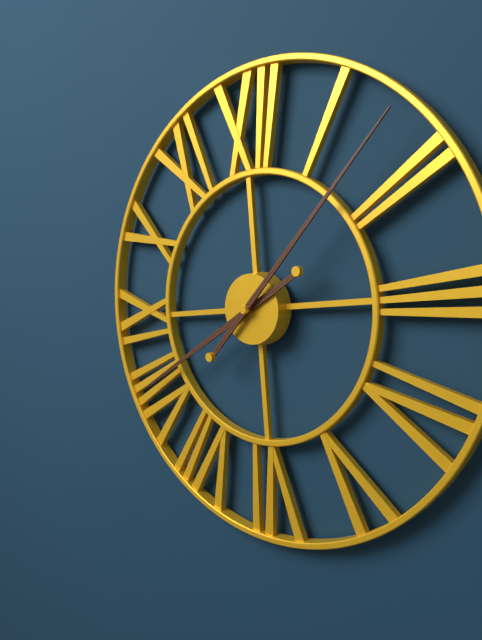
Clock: 8,08
